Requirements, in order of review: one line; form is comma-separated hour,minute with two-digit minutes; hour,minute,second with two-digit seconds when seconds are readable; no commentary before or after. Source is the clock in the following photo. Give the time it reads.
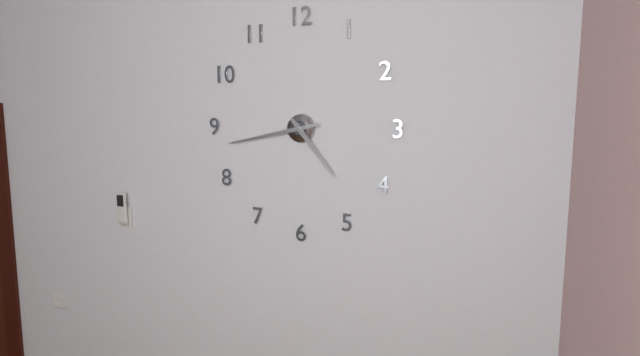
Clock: 4,43
